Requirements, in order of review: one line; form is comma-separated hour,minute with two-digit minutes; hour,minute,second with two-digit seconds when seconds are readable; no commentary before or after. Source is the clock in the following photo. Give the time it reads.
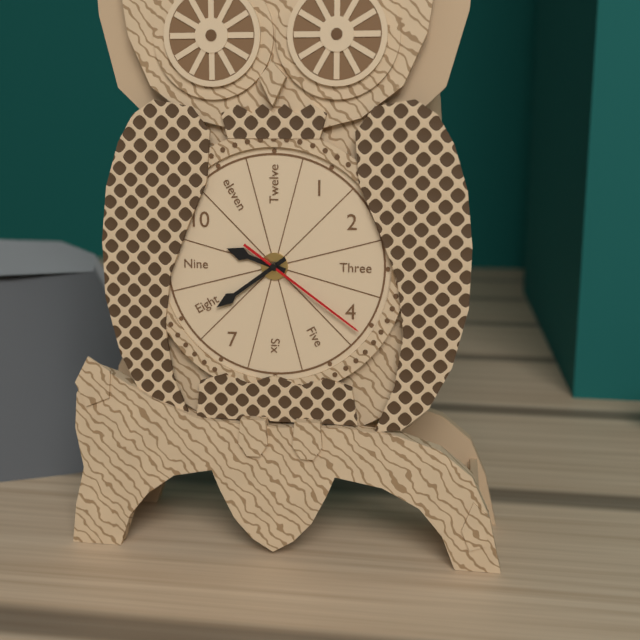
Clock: 9,39,21
